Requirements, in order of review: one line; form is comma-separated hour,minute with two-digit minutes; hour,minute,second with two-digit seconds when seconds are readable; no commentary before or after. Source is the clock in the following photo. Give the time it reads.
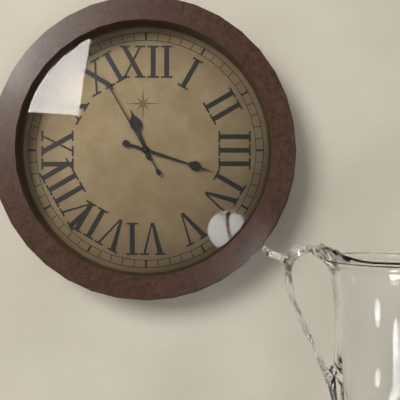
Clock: 11,18,55
